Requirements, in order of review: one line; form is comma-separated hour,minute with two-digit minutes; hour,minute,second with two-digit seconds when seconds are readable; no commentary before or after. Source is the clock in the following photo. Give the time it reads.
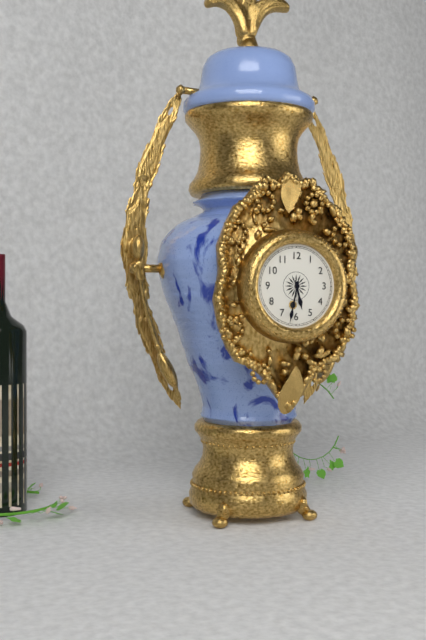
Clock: 5,32
